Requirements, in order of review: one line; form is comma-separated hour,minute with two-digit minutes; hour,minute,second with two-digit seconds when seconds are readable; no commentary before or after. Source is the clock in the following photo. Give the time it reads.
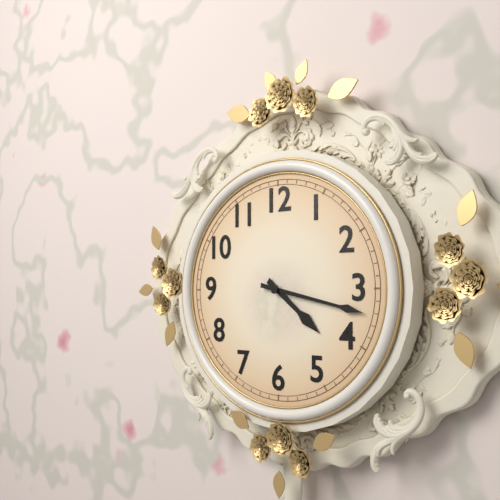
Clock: 4,17
